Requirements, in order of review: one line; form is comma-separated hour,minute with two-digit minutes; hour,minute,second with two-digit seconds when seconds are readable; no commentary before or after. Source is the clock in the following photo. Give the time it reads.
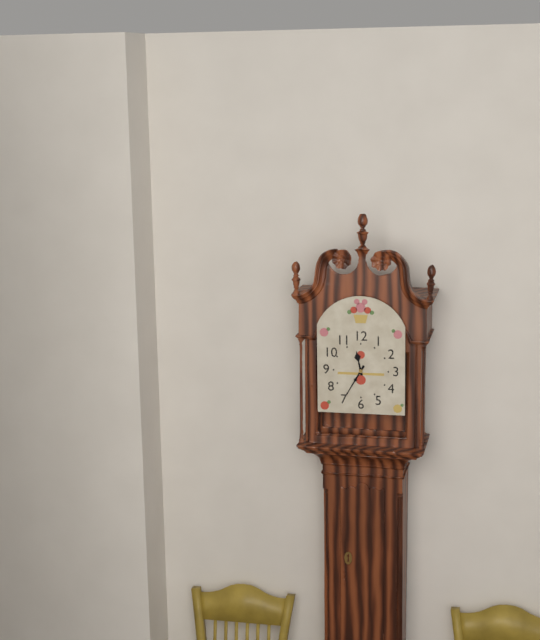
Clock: 11,35
